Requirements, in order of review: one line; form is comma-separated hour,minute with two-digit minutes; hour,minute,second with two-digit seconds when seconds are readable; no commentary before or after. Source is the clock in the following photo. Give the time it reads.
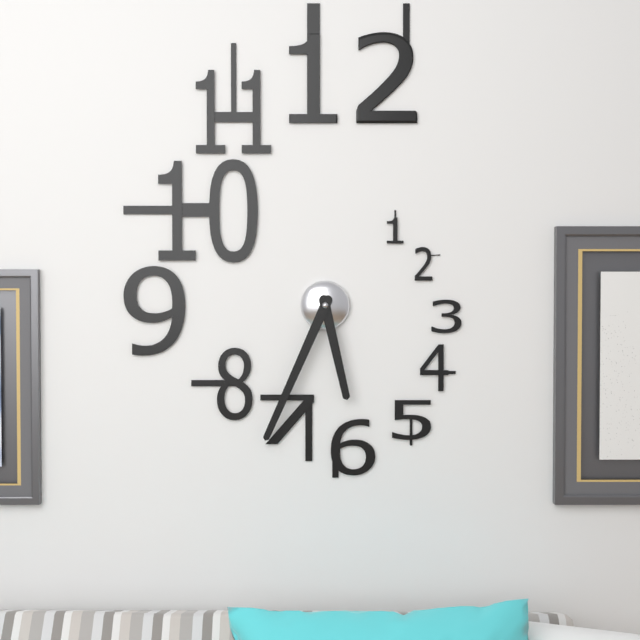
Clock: 5,34
